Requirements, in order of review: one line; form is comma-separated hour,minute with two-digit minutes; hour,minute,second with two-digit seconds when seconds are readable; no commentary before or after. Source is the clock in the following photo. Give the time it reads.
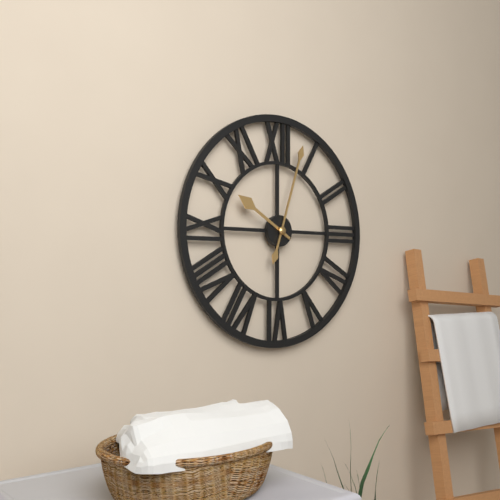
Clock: 10,03
